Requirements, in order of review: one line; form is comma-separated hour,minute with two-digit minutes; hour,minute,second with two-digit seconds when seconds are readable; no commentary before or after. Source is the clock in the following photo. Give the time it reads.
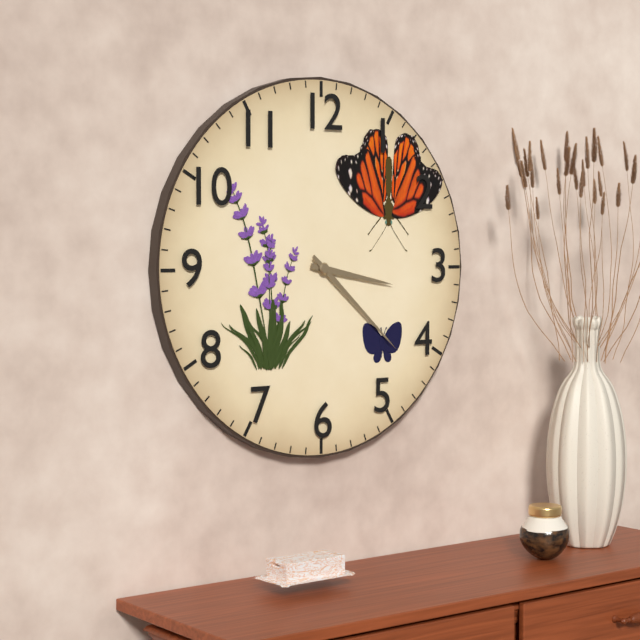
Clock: 3,22
